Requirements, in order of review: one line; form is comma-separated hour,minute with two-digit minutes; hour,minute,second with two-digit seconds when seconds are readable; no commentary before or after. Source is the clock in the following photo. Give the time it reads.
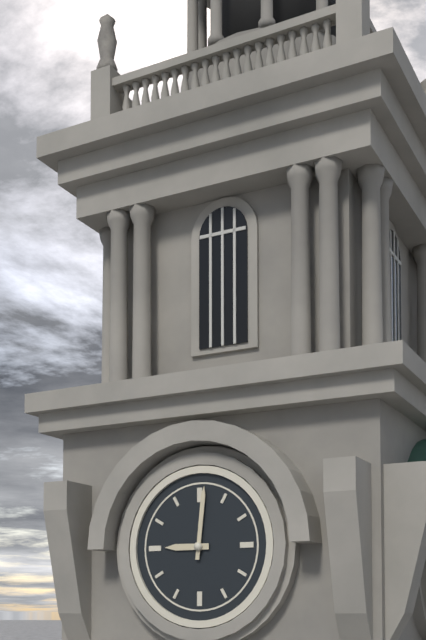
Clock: 9,01
